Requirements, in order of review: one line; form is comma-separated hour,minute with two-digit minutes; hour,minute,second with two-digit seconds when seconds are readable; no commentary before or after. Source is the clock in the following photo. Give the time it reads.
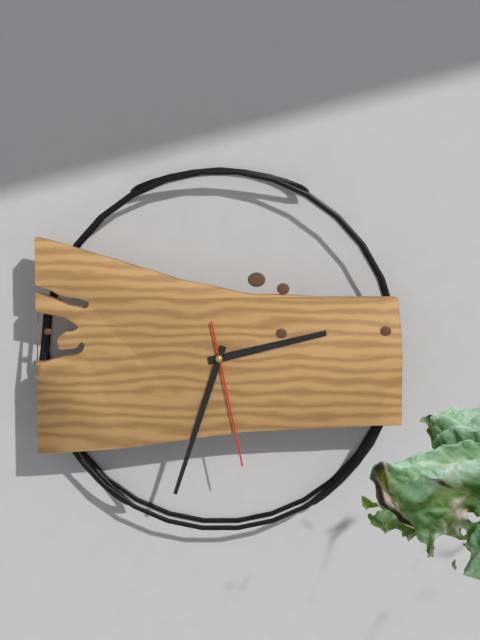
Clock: 2,33,28
